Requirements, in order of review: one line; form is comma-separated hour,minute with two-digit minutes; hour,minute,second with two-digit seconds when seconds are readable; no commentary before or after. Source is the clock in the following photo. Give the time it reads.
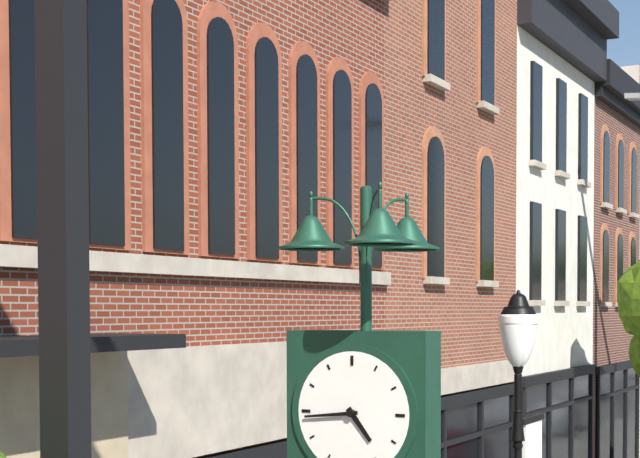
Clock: 4,44
